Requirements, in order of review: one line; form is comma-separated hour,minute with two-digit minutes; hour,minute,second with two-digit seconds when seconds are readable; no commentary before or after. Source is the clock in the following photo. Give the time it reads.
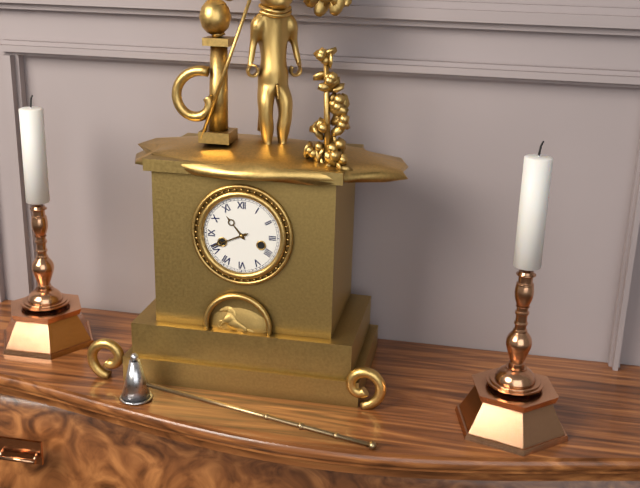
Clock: 10,41
